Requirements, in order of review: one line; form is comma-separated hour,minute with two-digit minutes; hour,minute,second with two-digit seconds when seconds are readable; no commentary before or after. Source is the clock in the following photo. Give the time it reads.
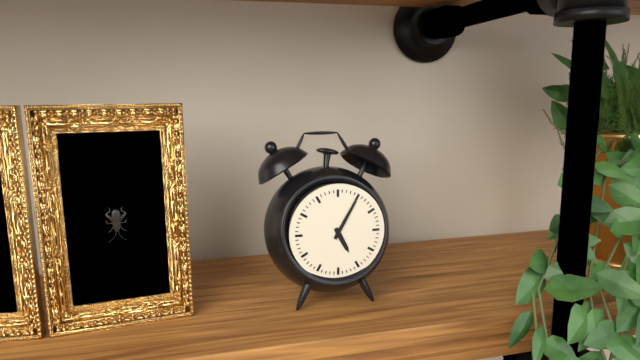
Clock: 5,05
